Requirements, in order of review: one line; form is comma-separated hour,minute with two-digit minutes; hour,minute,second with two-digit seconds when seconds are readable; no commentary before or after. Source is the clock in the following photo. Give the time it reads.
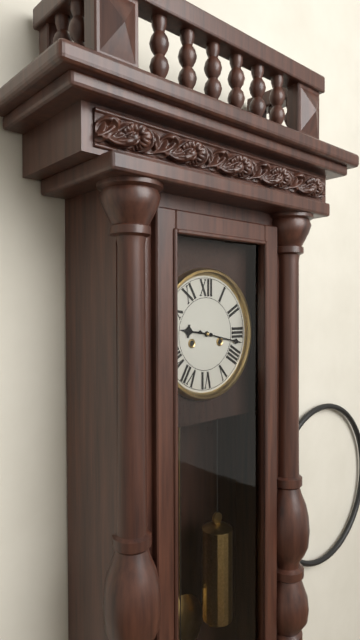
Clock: 9,17
